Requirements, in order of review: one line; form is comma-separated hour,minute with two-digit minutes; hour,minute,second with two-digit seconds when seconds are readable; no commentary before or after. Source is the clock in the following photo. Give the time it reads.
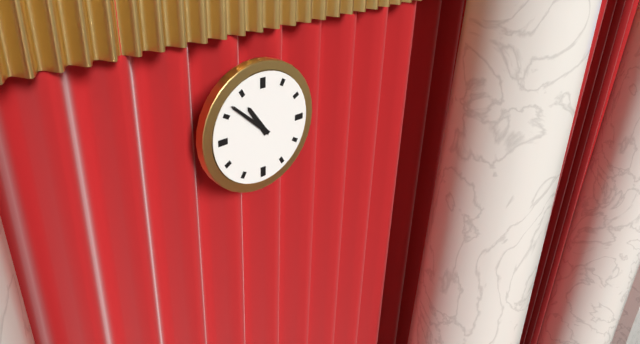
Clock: 10,52
